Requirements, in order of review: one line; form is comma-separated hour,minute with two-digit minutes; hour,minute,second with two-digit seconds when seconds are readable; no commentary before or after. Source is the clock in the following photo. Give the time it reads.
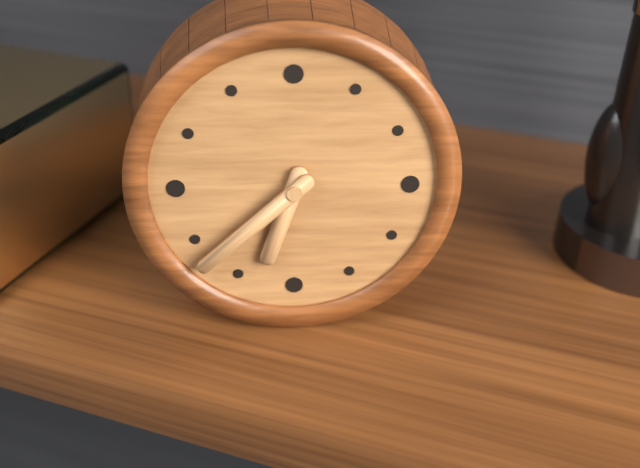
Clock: 6,38
